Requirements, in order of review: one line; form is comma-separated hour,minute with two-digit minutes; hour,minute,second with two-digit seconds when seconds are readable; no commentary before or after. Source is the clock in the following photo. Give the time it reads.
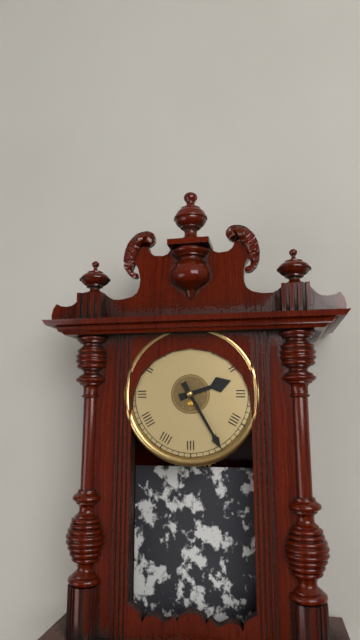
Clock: 2,25
